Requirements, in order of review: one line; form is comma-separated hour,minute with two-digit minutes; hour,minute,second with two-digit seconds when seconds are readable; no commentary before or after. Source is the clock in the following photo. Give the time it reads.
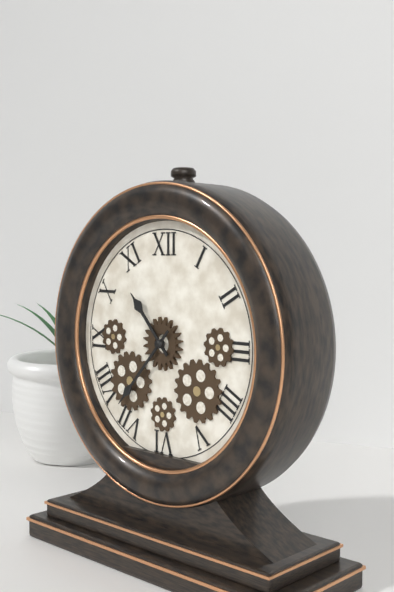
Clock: 10,37
